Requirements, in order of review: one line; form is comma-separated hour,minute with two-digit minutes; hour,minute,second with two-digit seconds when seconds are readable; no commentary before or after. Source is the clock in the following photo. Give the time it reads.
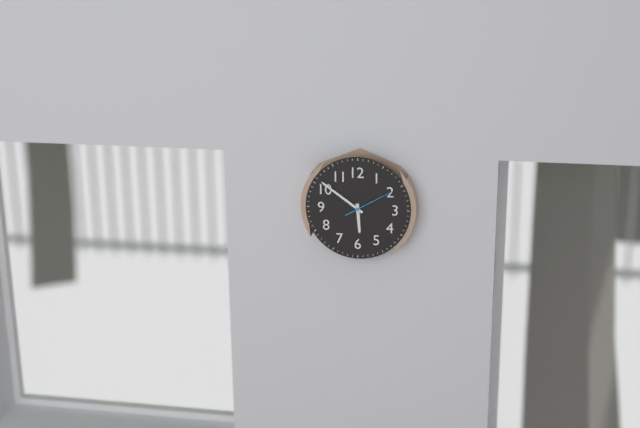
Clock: 5,51
